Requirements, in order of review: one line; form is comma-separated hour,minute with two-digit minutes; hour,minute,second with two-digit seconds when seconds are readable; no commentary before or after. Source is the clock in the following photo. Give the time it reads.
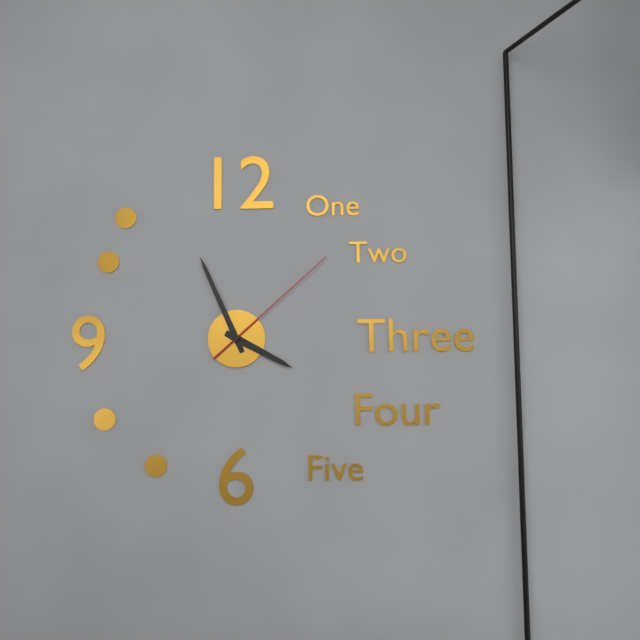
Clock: 3,56,08
